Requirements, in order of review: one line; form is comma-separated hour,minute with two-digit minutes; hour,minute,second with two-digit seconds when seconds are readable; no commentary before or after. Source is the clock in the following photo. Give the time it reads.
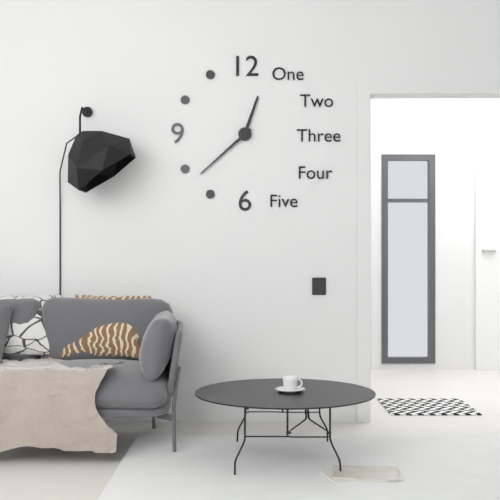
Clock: 12,38
